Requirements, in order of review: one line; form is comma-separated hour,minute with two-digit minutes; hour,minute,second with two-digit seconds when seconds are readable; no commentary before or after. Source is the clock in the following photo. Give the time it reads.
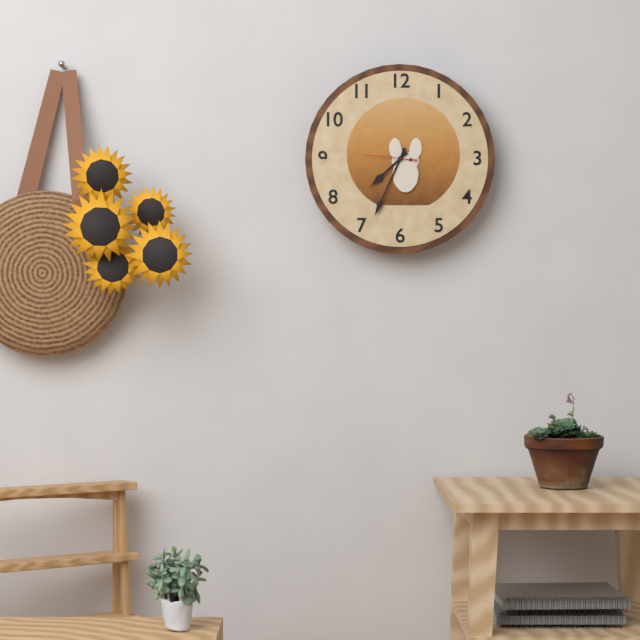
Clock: 7,34
